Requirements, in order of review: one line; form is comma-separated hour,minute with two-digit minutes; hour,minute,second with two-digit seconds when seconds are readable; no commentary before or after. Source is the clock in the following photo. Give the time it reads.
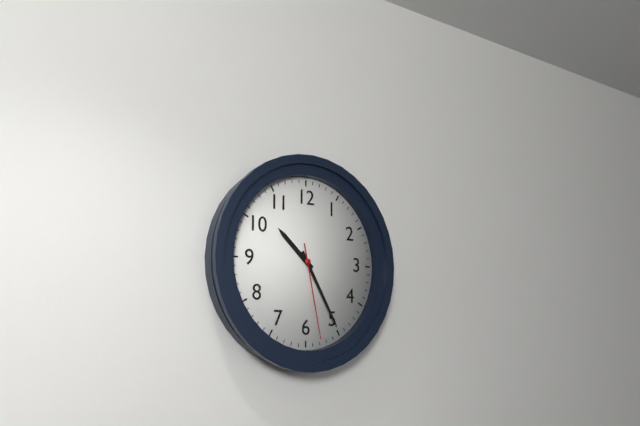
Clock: 10,25,28
